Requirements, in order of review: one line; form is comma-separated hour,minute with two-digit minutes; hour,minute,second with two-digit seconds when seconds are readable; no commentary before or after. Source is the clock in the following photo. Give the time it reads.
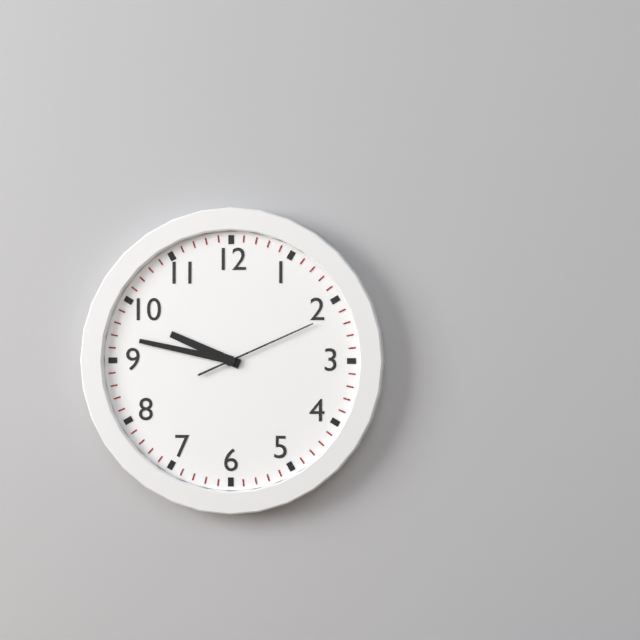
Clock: 9,47,11
